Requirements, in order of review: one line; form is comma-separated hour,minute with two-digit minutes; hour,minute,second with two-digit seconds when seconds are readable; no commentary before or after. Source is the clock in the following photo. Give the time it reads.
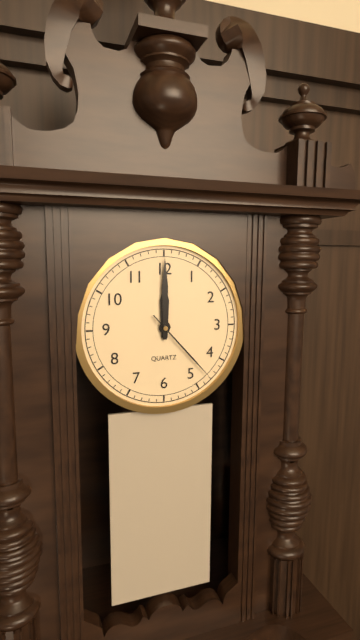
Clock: 12,00,23
